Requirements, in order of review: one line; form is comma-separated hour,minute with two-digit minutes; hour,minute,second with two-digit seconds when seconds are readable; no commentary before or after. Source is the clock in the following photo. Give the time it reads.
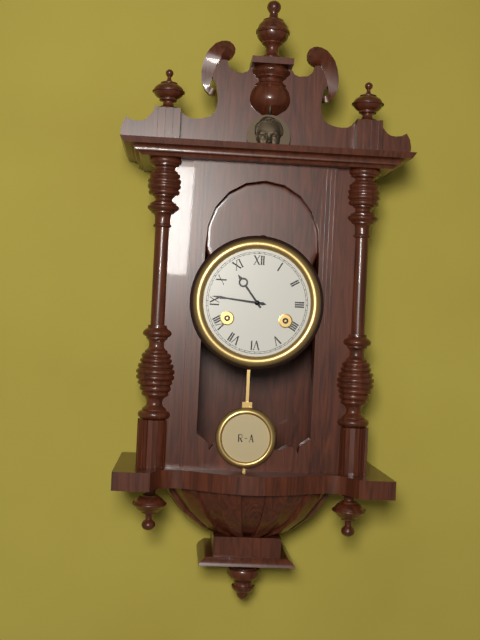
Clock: 10,46
